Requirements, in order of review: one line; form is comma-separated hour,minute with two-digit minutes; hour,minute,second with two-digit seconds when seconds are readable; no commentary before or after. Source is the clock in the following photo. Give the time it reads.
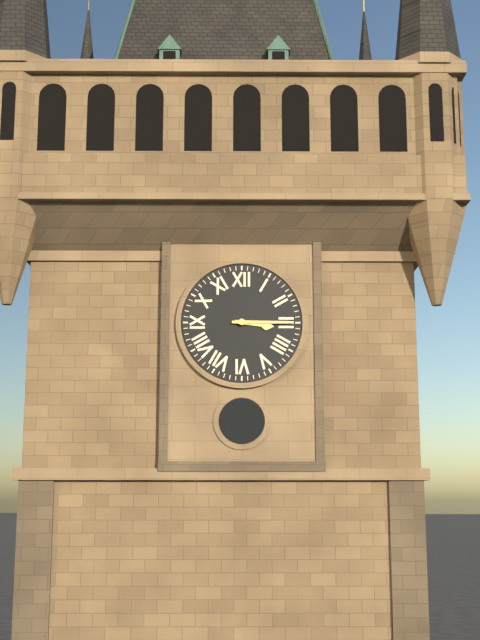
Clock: 3,15
